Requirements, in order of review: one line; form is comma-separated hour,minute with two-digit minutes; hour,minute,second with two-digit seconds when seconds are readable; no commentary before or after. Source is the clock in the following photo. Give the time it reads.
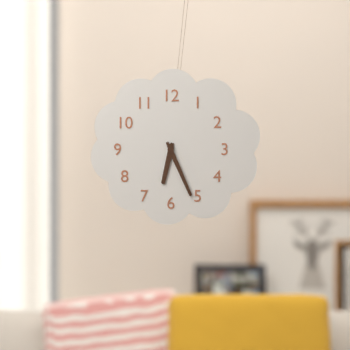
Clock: 6,26
